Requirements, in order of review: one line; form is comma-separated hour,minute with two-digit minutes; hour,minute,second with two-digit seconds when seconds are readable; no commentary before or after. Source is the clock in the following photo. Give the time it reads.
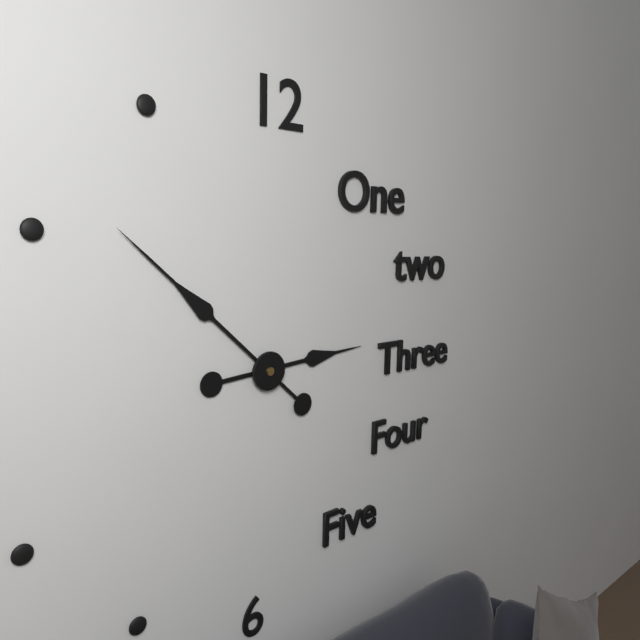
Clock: 2,52
